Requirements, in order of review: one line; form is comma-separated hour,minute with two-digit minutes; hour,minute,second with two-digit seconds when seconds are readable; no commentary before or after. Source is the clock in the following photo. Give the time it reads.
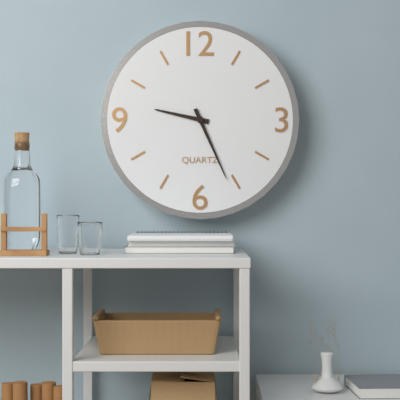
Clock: 9,26
